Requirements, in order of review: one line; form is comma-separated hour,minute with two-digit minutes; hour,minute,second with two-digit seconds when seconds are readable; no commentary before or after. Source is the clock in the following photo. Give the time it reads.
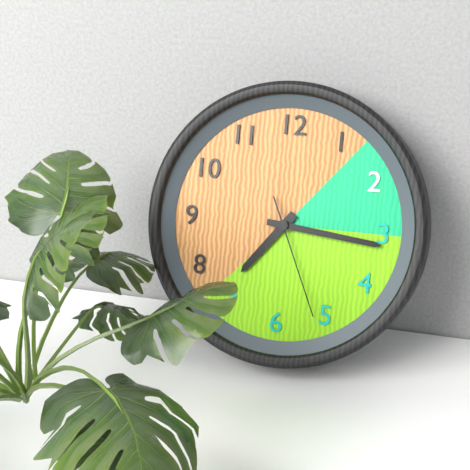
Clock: 7,16,26
